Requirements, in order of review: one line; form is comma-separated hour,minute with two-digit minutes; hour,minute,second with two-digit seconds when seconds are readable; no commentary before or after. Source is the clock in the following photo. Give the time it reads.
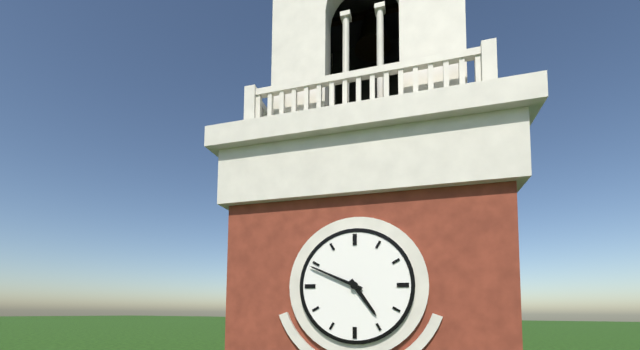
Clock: 4,49
